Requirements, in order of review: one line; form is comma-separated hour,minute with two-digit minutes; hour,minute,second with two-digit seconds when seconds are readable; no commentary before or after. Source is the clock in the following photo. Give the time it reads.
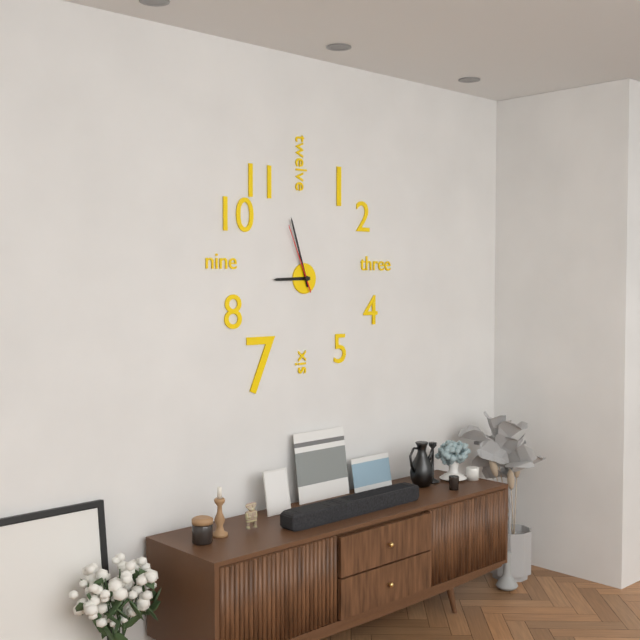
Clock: 8,57,56
